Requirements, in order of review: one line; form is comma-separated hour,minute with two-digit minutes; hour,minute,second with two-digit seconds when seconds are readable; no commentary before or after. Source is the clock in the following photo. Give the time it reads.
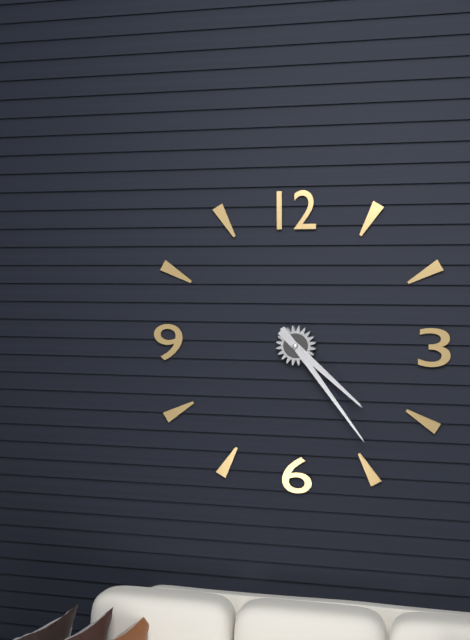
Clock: 4,24
